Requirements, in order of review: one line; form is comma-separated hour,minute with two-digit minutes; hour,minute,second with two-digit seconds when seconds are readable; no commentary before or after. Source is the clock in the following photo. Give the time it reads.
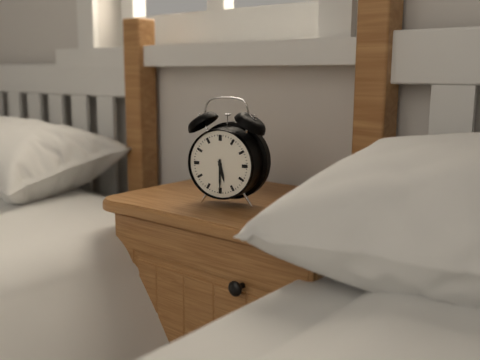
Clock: 5,30
